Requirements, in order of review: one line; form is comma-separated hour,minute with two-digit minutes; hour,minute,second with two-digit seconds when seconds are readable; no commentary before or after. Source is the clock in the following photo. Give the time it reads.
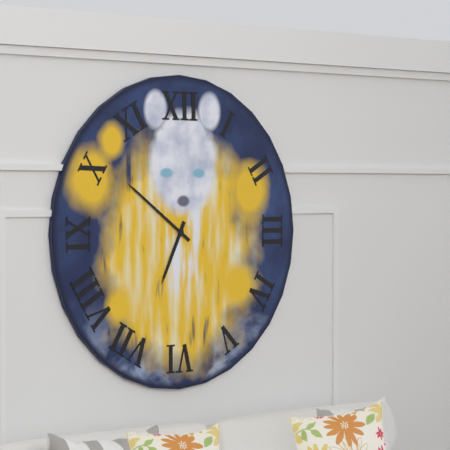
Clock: 6,51
